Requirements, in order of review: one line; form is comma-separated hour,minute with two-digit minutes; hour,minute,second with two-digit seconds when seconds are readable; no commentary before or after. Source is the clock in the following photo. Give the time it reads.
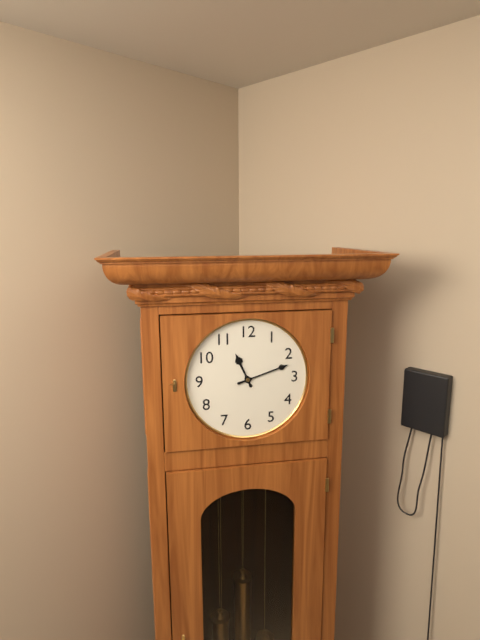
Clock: 11,12
